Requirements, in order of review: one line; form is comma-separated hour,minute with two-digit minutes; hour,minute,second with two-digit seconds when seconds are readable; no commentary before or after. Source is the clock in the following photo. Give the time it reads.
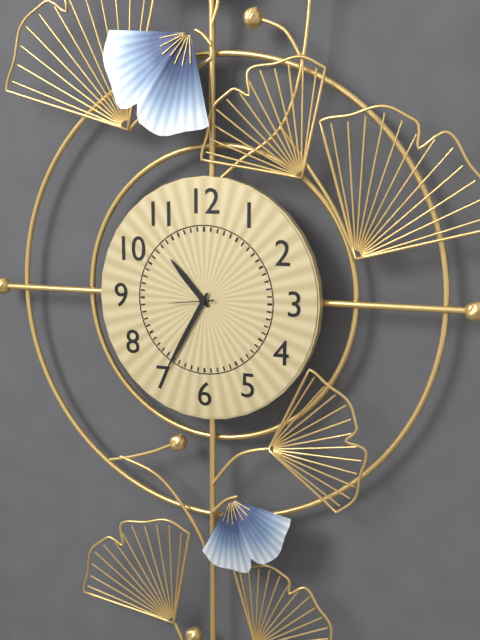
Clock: 10,35
